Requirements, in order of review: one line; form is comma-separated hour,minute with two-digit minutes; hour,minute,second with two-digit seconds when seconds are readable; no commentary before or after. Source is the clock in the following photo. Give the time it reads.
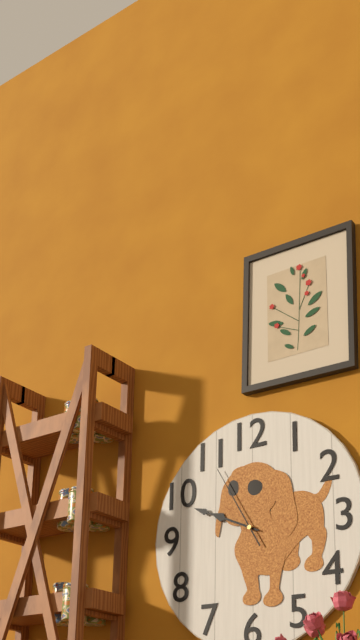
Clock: 9,49,55
